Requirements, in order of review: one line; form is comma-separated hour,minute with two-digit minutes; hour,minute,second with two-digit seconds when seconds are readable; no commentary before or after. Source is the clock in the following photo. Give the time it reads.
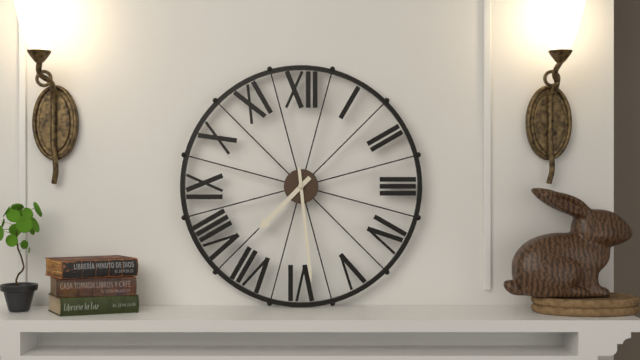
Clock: 7,29
